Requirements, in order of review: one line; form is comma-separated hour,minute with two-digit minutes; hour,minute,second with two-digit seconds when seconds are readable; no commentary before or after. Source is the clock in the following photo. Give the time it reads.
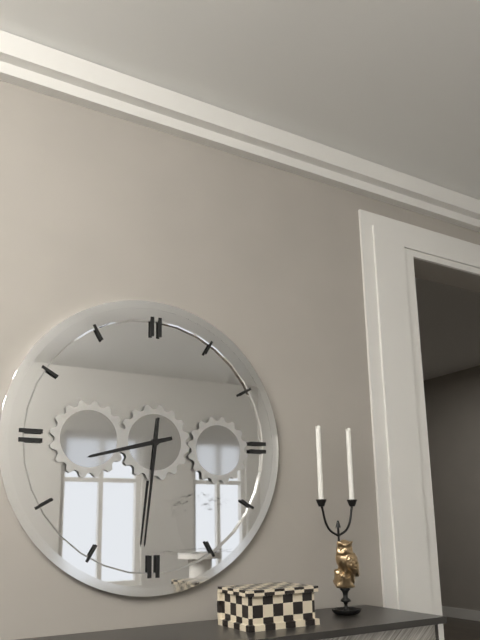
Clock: 8,31
